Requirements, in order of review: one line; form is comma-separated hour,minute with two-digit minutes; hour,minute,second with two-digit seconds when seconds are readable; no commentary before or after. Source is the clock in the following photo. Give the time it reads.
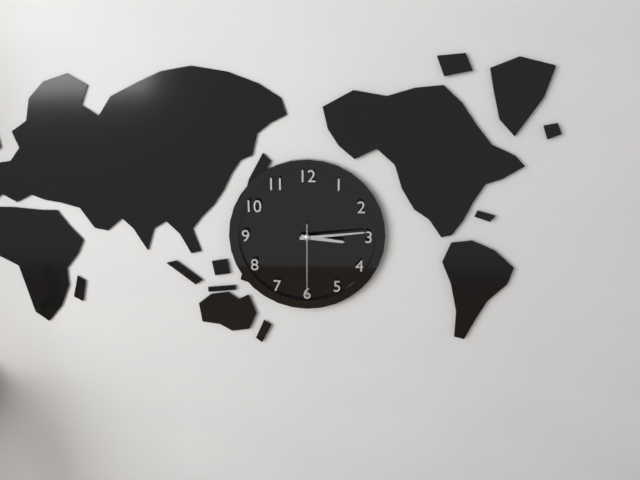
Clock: 3,14,30
